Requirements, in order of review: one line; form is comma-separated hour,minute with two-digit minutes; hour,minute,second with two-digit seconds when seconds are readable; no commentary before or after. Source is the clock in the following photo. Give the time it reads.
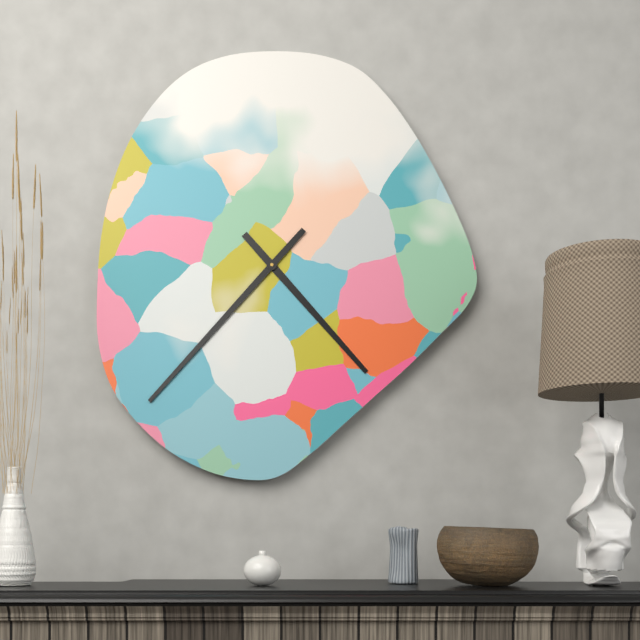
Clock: 4,37
